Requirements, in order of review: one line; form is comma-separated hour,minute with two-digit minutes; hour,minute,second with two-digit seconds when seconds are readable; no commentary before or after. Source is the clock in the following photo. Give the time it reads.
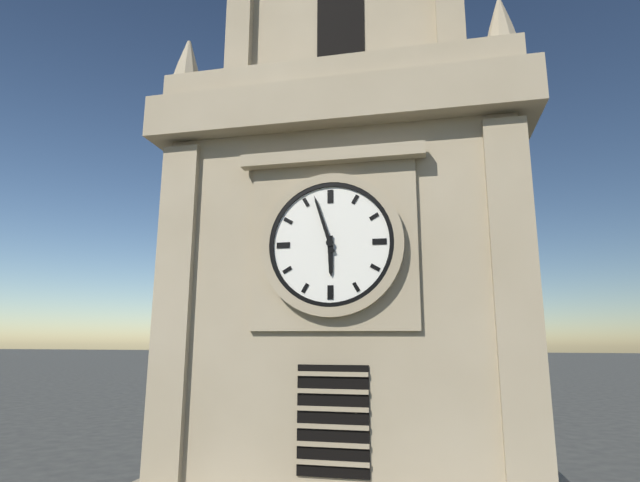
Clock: 5,57
